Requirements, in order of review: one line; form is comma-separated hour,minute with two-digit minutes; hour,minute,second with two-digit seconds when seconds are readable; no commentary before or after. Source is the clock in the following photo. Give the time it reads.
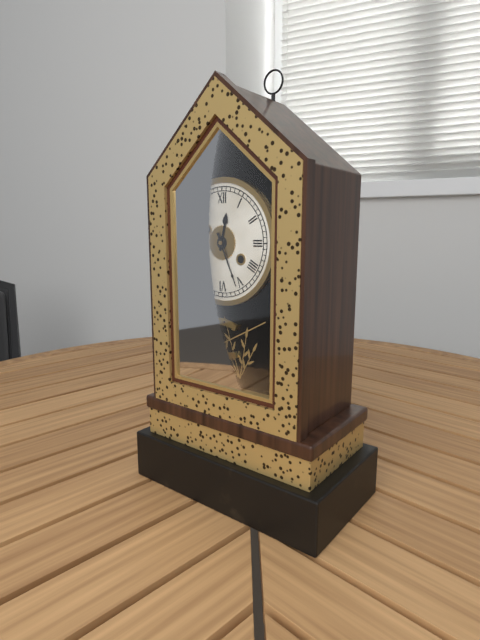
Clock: 12,26
